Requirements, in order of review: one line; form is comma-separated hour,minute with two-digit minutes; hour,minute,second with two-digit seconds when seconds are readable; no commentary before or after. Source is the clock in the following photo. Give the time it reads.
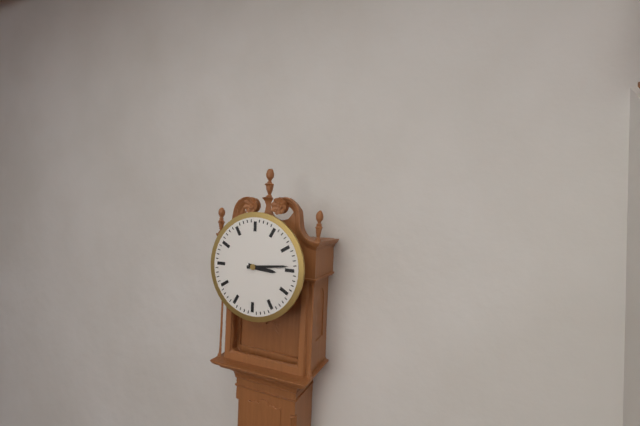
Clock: 3,14
